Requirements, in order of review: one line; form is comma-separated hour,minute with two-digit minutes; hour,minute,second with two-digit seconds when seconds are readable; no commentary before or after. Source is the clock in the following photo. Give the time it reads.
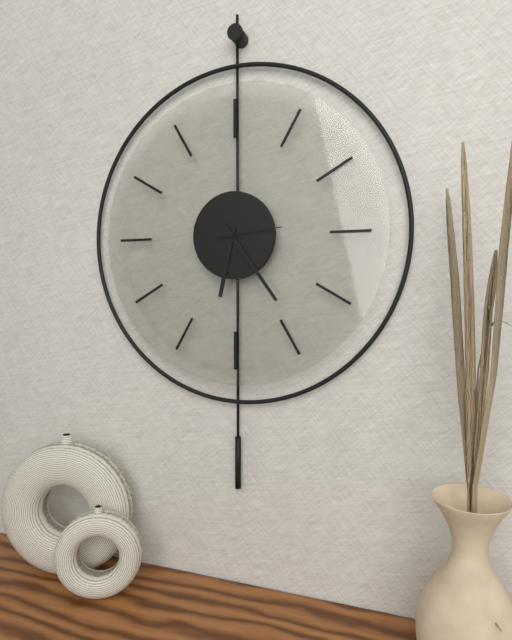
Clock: 6,24,14
